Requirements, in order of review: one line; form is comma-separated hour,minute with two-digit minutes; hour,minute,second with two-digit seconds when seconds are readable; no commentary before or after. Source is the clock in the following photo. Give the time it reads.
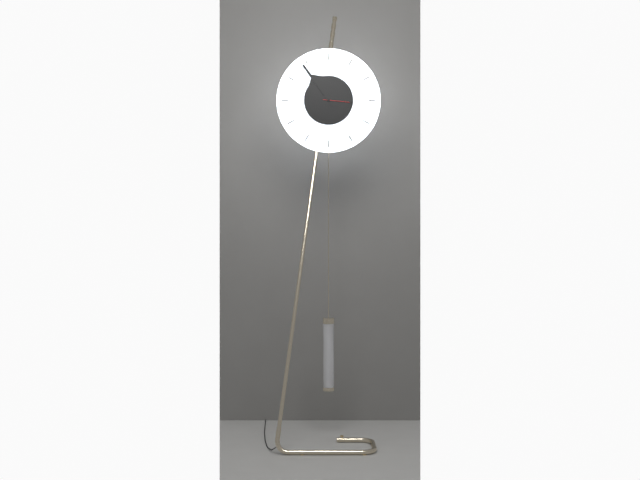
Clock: 10,54
